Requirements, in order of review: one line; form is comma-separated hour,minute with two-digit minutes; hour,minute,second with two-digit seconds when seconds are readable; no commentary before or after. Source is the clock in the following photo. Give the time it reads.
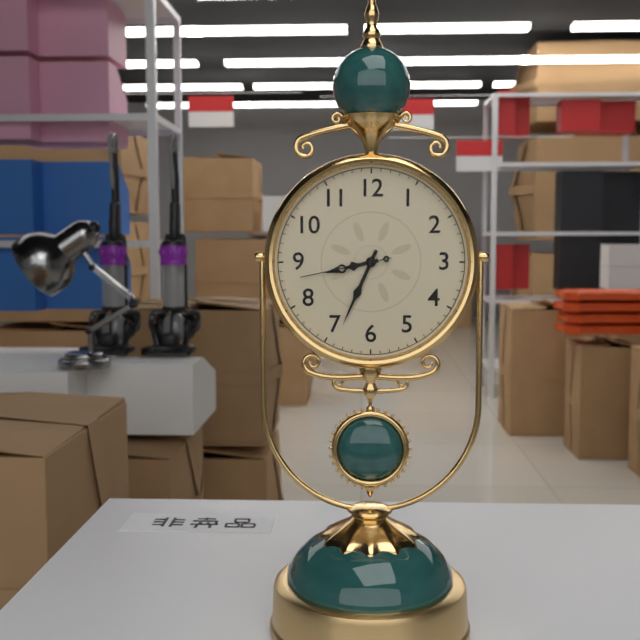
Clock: 8,34,43
